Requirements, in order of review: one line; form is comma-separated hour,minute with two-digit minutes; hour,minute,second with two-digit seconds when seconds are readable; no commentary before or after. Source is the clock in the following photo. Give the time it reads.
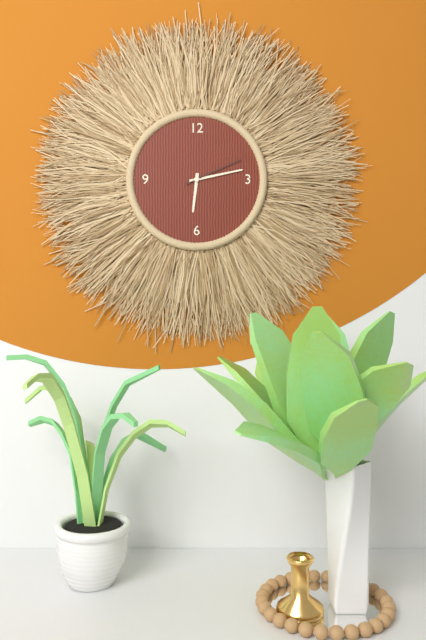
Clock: 6,13,11
